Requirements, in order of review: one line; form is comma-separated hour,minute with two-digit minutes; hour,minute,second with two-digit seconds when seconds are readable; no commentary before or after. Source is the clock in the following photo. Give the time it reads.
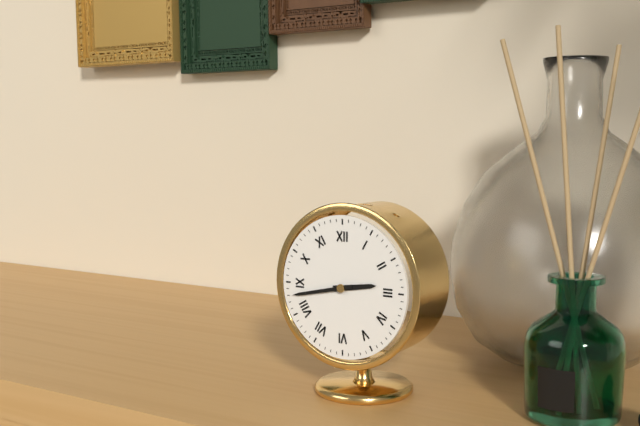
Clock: 2,43
